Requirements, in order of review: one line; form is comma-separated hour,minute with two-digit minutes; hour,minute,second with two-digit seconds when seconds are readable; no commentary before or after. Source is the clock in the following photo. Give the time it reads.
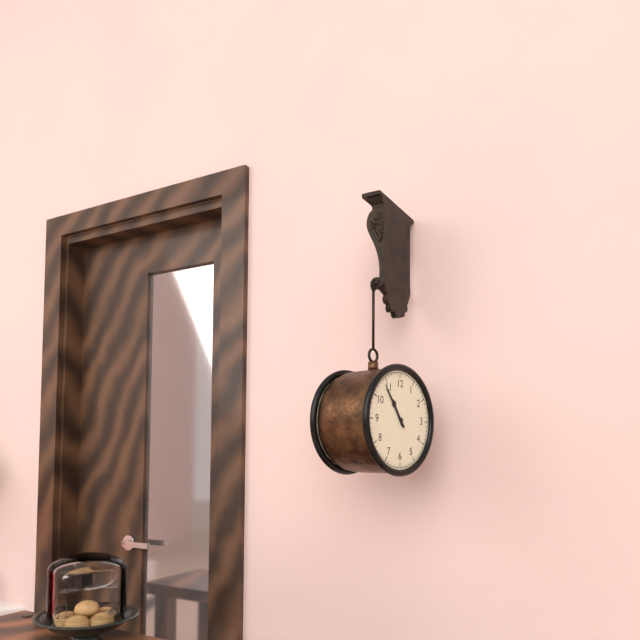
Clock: 10,54
